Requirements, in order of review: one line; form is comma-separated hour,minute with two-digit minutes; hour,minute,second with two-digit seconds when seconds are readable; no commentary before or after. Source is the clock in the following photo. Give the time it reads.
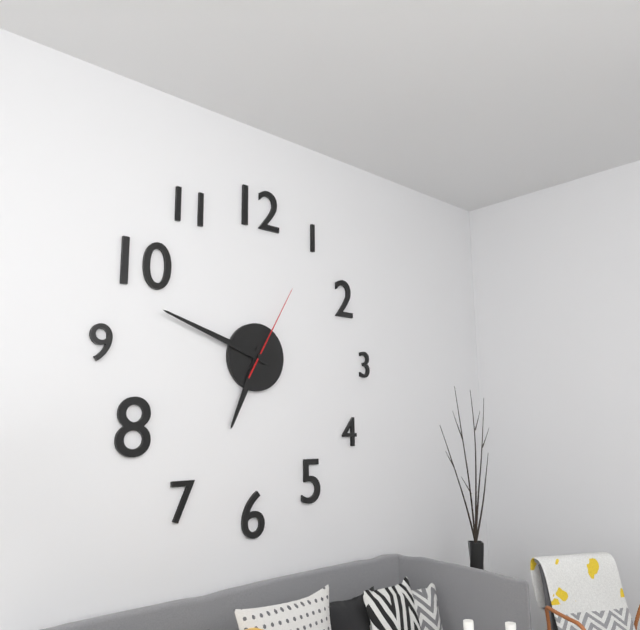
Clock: 6,48,05
